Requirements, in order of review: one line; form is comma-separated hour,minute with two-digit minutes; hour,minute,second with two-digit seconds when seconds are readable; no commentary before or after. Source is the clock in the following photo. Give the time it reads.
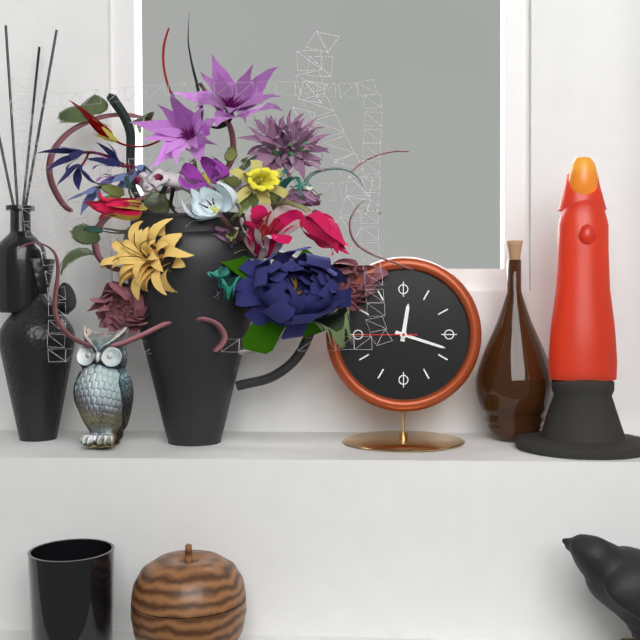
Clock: 12,18,45
